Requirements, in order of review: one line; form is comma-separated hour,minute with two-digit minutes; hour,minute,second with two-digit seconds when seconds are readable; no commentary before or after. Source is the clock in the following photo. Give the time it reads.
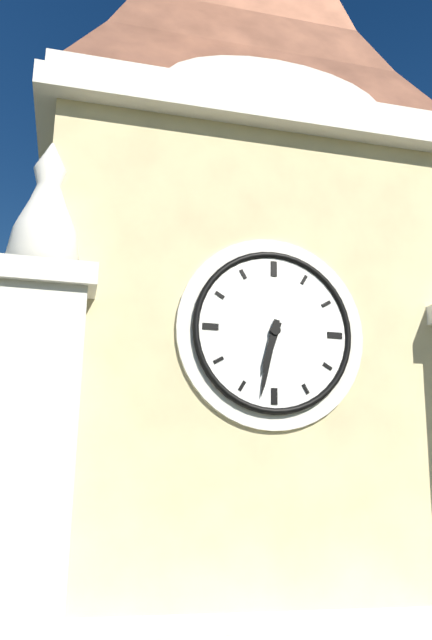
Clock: 6,32
